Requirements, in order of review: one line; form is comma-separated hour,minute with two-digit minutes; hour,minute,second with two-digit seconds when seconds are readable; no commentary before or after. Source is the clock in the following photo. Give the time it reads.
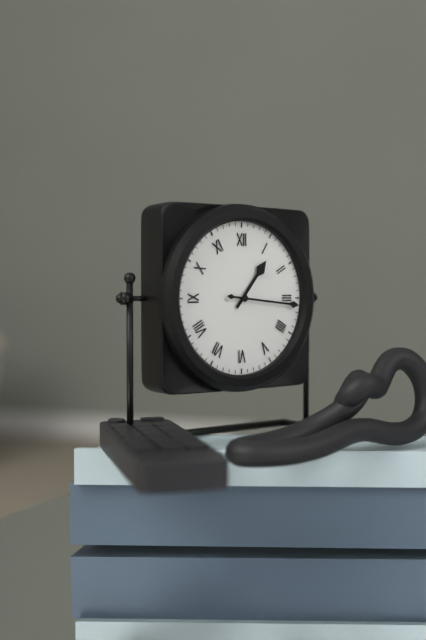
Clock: 1,16
